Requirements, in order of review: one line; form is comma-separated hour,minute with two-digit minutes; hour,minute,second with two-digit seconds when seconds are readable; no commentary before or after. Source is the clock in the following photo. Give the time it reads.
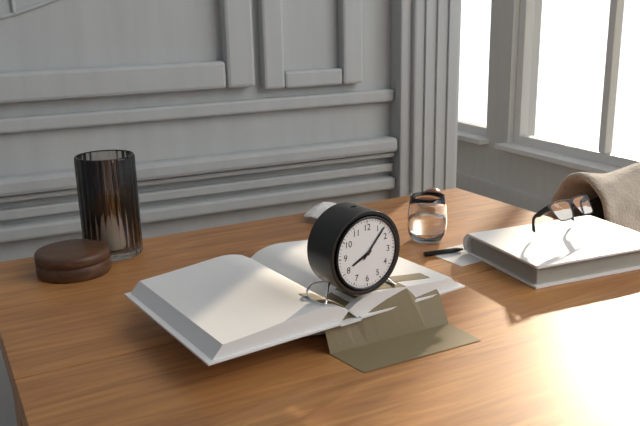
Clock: 8,07
